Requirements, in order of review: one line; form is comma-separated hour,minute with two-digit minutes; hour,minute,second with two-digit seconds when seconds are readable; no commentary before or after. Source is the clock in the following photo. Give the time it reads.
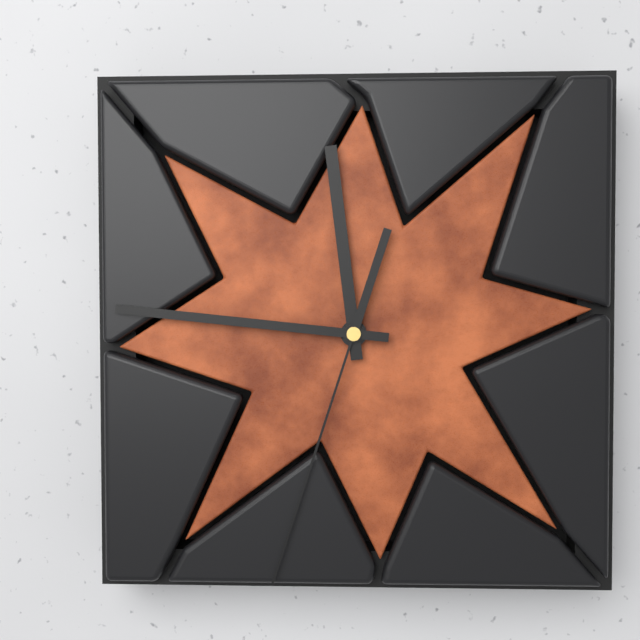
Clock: 11,46,33
